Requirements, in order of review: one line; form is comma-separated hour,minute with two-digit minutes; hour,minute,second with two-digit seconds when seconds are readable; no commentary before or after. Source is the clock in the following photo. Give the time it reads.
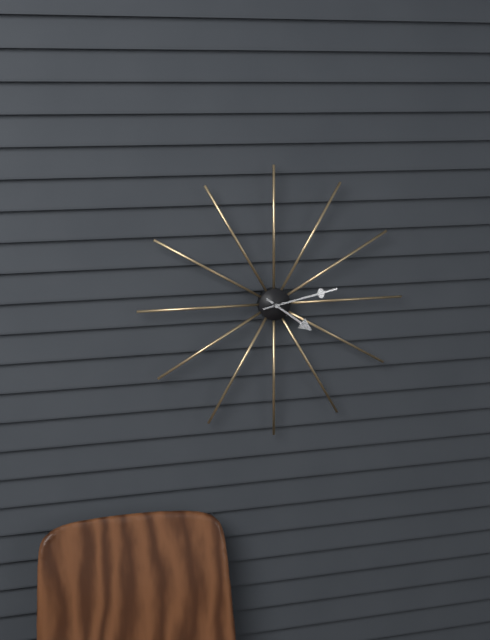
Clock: 4,13
